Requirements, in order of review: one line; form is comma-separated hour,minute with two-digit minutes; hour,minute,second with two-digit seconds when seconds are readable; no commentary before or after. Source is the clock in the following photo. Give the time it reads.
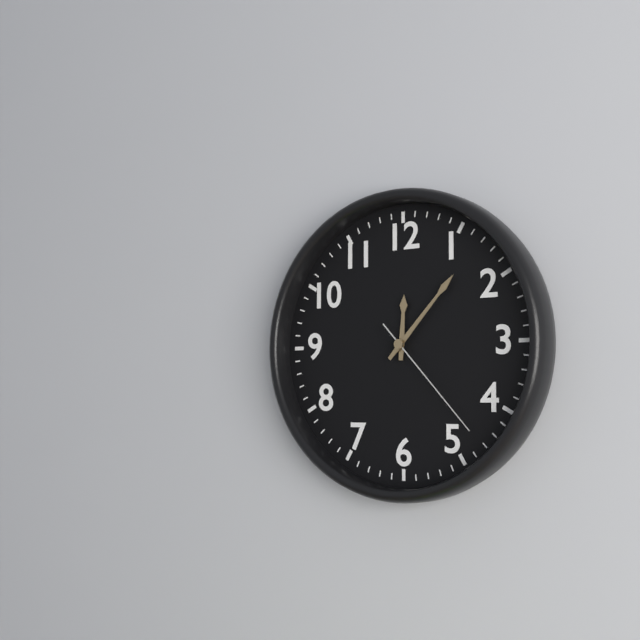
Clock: 12,07,23
